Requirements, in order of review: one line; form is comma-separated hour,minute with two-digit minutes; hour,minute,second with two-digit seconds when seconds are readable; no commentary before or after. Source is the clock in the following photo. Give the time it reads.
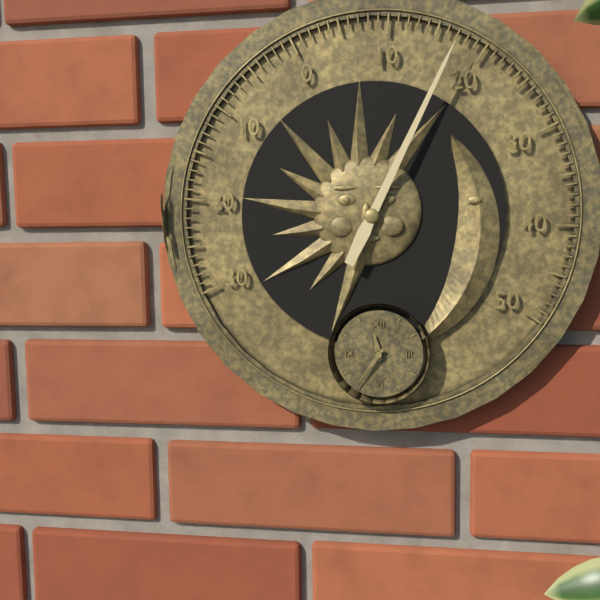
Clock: 11,36
